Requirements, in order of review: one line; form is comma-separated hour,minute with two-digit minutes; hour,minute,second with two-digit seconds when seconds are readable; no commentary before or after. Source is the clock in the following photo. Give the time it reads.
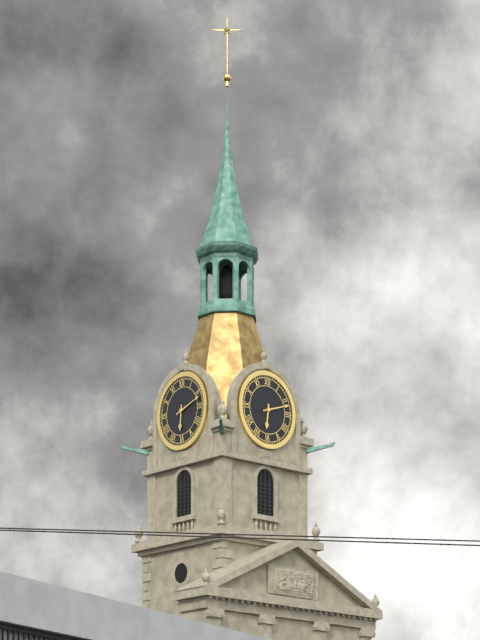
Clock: 6,12
